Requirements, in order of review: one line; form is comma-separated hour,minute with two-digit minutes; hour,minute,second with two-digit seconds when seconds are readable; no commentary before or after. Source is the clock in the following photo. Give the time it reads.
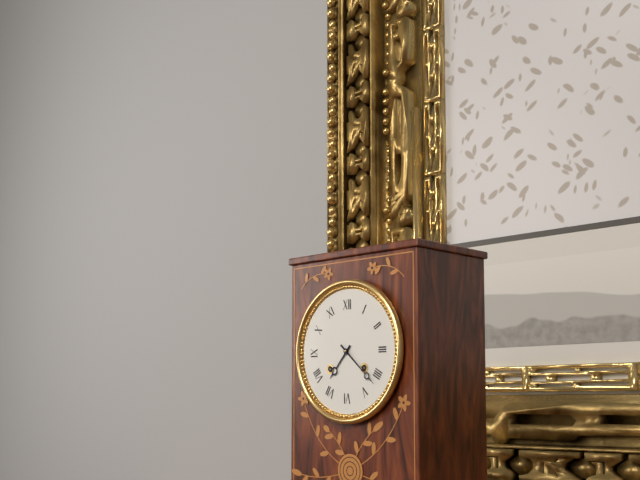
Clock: 7,22
